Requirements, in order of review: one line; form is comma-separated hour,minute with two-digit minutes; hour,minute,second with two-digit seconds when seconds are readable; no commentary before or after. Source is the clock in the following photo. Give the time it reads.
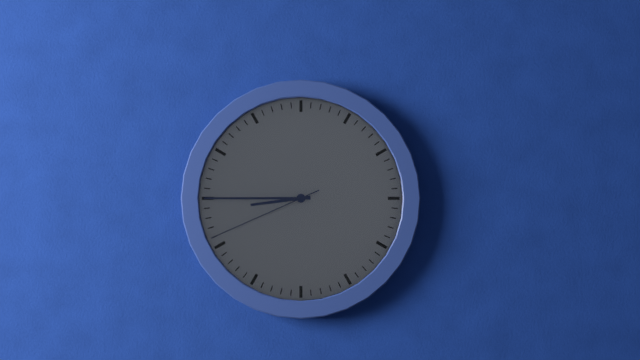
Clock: 8,45,41
